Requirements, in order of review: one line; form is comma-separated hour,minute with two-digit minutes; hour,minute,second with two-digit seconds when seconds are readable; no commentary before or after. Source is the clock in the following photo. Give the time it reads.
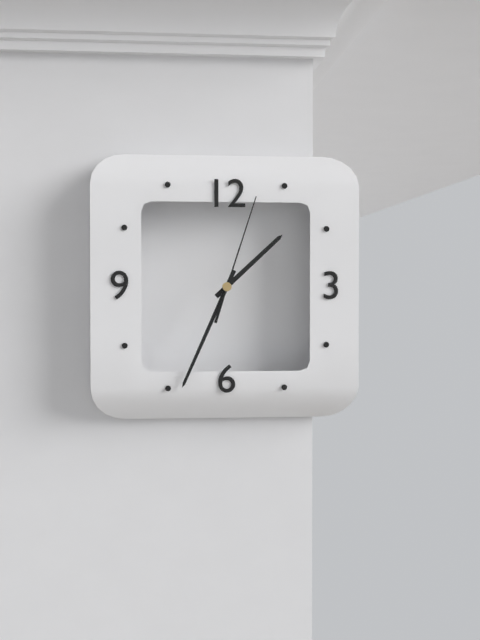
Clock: 1,34,03
